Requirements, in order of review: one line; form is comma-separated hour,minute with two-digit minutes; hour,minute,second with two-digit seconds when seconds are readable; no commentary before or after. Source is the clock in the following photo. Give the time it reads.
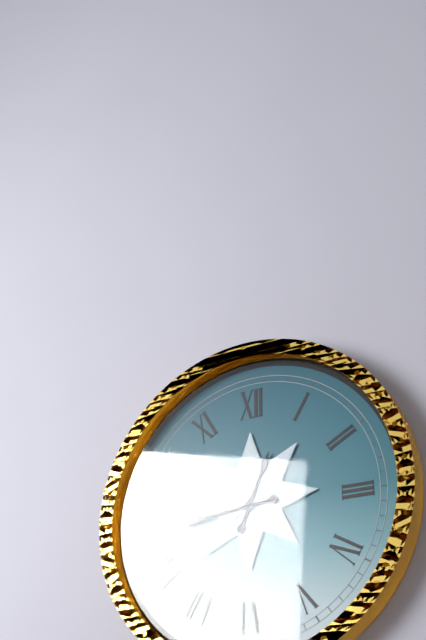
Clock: 12,44,38
